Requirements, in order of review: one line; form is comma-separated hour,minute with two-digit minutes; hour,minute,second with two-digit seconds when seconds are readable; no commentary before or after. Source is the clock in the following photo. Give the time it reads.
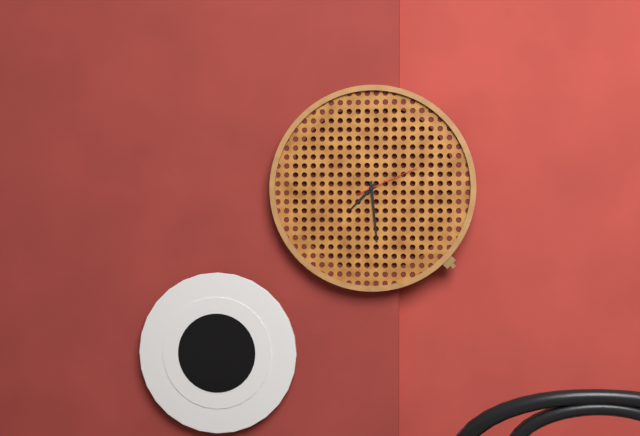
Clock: 7,29,11
